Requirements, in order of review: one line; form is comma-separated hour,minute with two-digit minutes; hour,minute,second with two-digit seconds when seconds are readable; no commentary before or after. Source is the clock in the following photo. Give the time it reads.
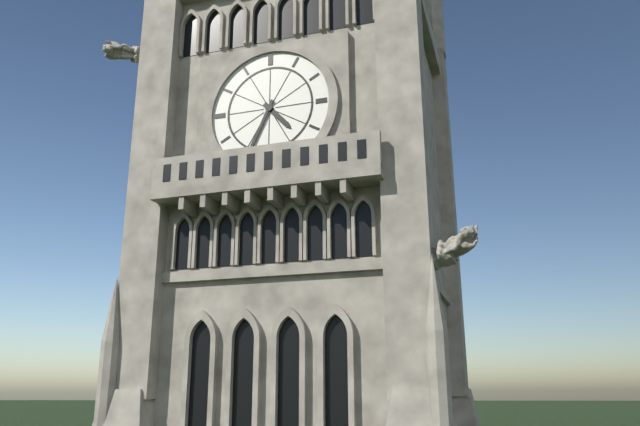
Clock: 4,34
